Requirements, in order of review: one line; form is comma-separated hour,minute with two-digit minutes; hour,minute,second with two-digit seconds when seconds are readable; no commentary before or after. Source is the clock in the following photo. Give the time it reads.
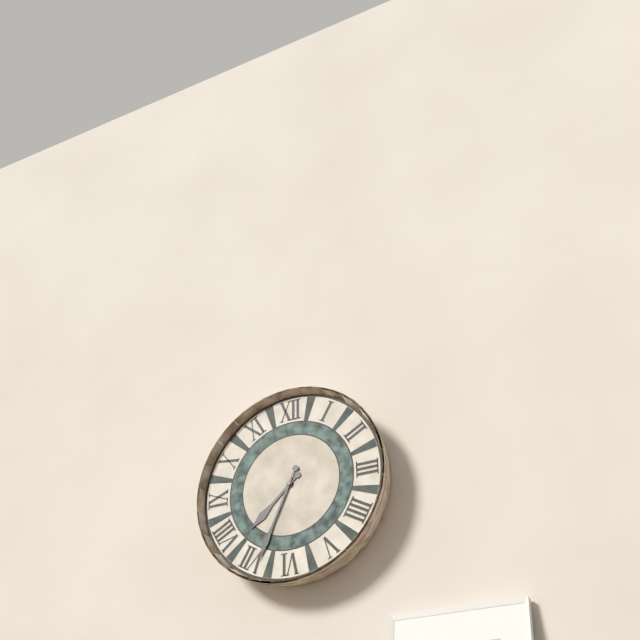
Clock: 7,34
